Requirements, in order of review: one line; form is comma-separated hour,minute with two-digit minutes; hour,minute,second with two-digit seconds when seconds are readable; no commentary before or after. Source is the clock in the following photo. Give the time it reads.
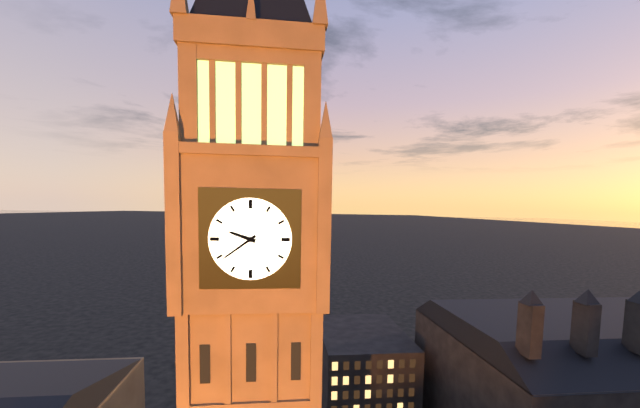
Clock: 9,39
